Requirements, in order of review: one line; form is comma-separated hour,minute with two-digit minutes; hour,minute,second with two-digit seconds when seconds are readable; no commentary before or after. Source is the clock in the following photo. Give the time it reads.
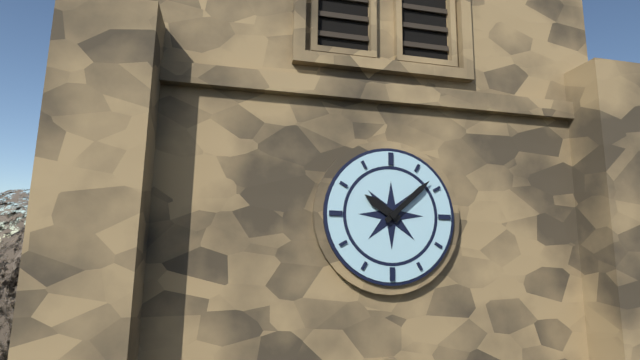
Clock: 10,08
